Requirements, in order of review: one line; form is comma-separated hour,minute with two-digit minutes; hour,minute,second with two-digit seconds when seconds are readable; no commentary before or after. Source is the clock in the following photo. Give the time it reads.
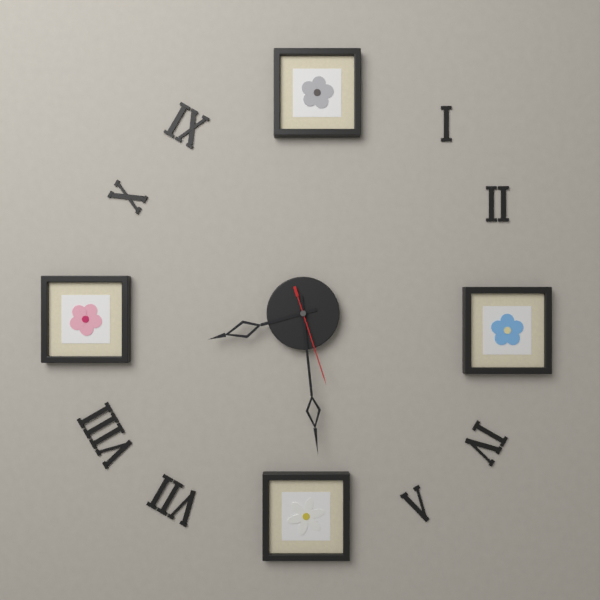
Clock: 8,29,27
